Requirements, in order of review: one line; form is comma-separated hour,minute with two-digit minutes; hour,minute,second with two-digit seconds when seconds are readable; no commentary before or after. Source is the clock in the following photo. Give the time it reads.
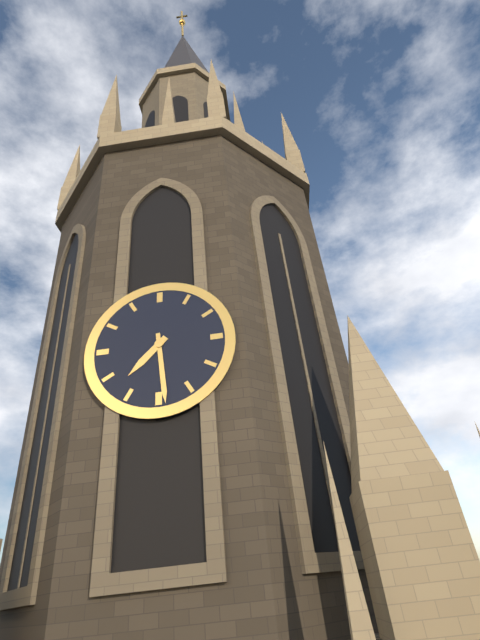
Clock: 7,29
